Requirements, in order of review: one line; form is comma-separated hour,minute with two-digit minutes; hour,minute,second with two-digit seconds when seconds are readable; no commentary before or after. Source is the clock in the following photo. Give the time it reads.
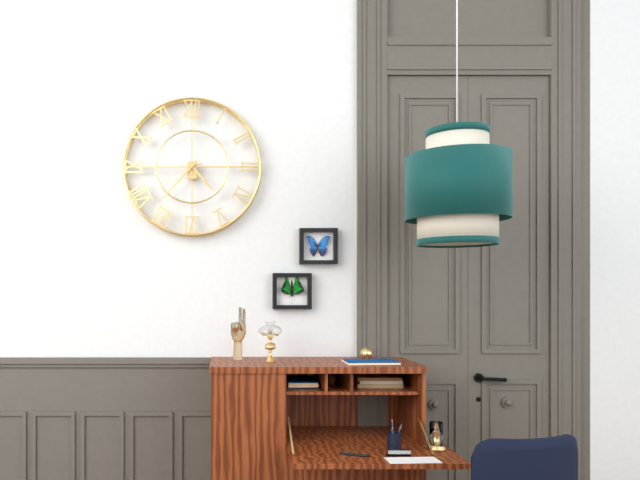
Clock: 4,37
